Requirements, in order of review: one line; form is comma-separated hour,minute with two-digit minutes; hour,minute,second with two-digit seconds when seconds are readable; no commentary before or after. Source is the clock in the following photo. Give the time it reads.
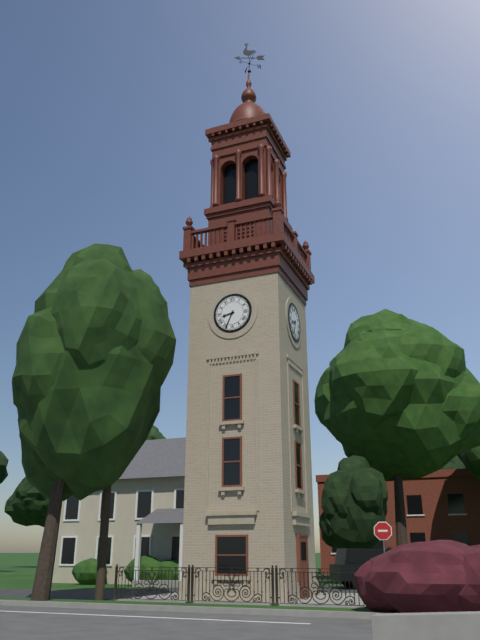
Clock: 8,34
